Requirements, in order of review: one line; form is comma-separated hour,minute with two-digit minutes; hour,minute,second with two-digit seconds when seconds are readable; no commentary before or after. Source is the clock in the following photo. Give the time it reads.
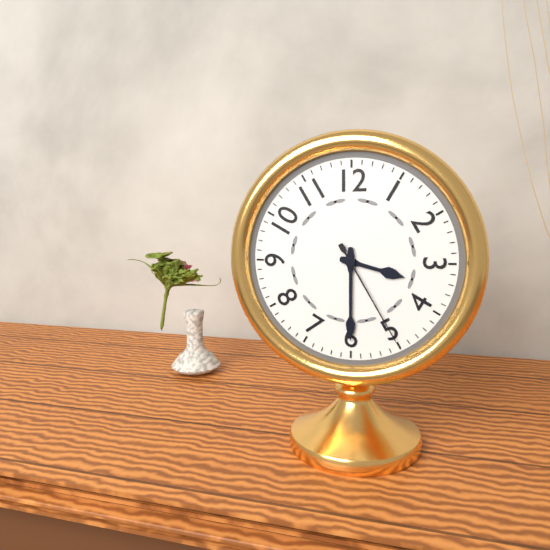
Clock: 3,30,25
